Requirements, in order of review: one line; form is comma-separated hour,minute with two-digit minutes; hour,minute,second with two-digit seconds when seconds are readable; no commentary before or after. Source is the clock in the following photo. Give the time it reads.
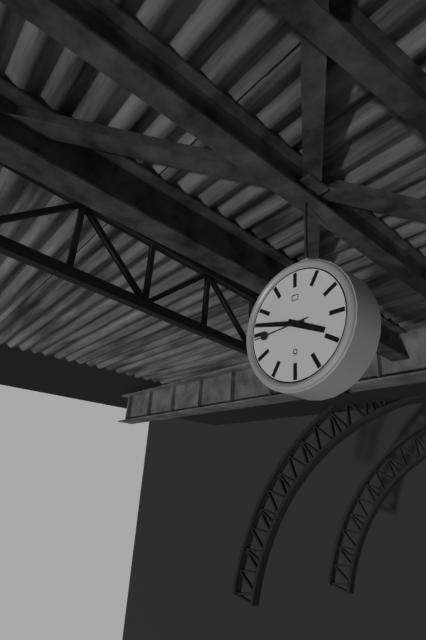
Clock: 3,47,44
